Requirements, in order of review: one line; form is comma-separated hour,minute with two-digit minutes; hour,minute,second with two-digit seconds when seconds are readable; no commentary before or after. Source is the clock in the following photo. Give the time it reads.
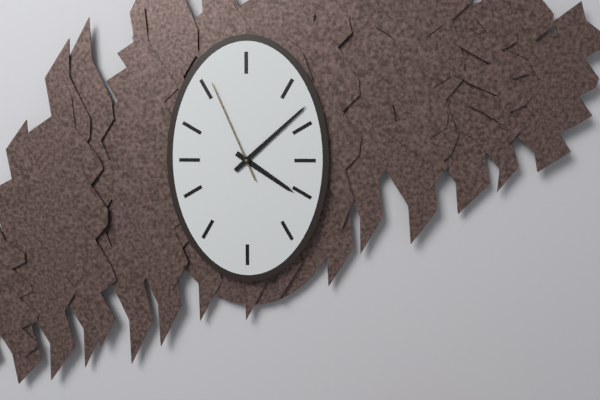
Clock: 4,08,56
